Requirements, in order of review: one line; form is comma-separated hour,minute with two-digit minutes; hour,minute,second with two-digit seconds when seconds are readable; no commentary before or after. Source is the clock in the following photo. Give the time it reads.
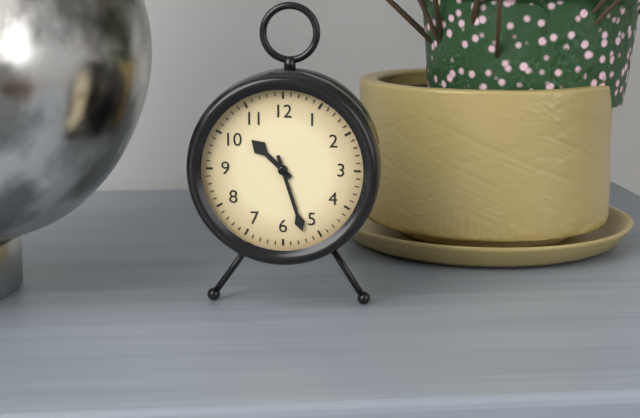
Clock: 10,27
